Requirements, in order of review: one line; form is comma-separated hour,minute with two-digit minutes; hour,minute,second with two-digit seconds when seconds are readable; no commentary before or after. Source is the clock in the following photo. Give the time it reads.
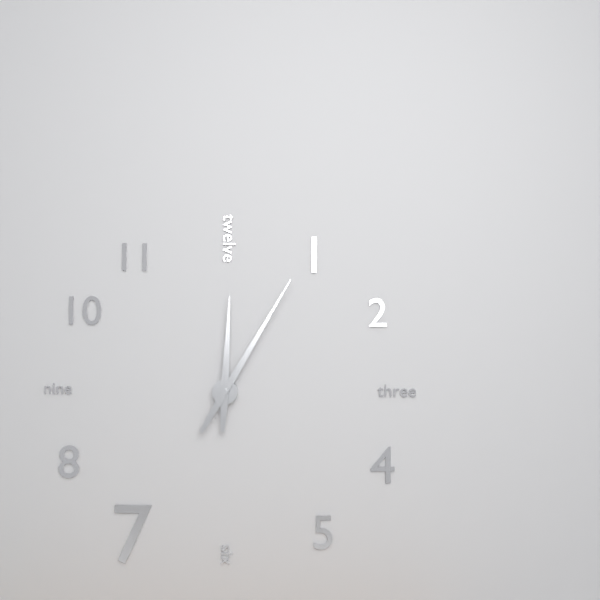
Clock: 12,05
